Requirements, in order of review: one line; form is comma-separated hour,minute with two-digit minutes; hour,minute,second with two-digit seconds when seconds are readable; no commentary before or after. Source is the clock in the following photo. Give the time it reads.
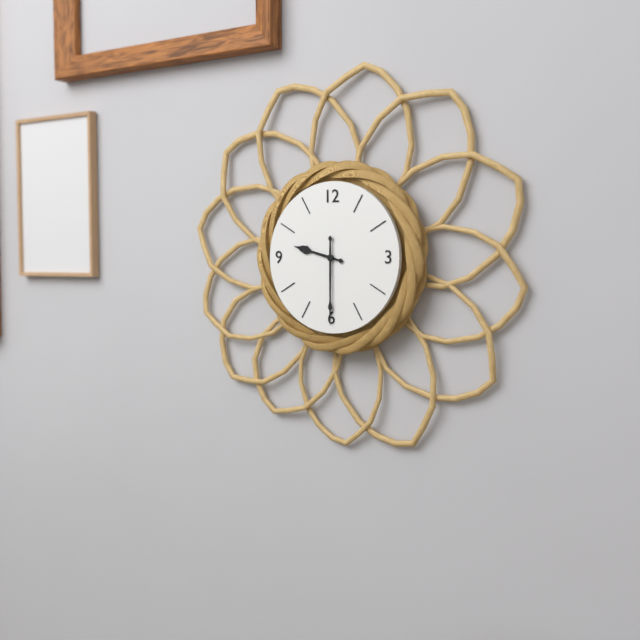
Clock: 9,30
